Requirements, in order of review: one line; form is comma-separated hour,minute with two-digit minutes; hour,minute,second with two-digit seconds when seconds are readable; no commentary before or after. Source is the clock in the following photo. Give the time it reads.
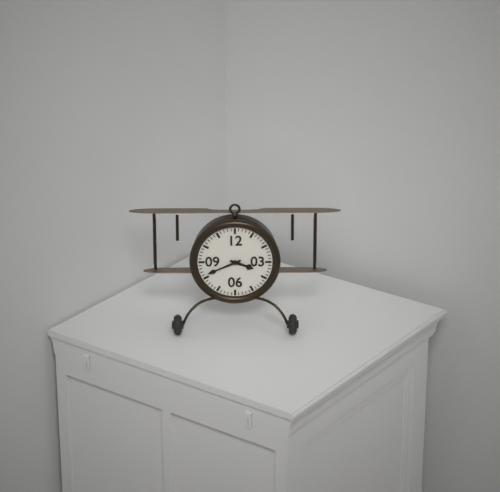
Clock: 3,41
